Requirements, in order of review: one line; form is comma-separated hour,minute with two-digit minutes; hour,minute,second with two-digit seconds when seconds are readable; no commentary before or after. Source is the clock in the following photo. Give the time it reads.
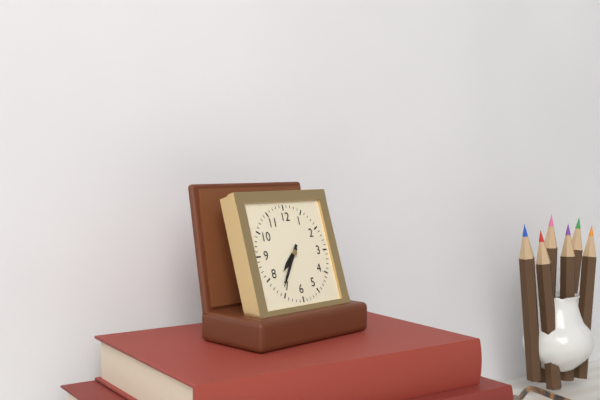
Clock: 7,36
